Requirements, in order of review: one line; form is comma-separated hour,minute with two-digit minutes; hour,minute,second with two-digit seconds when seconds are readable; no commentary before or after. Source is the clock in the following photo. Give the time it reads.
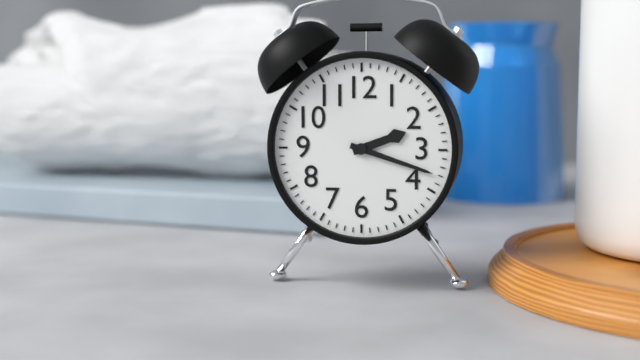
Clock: 2,18
